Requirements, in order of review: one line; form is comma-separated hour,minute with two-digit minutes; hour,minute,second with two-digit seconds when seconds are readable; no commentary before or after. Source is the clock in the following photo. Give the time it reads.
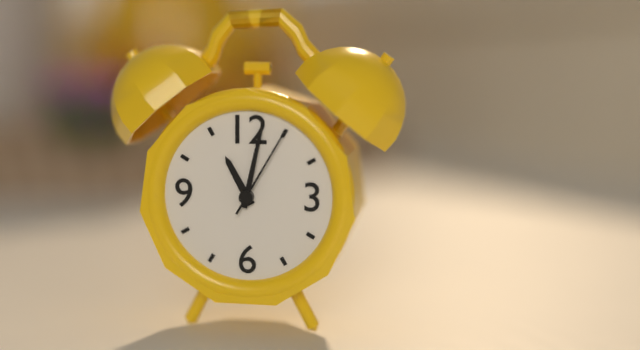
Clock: 11,02,05
